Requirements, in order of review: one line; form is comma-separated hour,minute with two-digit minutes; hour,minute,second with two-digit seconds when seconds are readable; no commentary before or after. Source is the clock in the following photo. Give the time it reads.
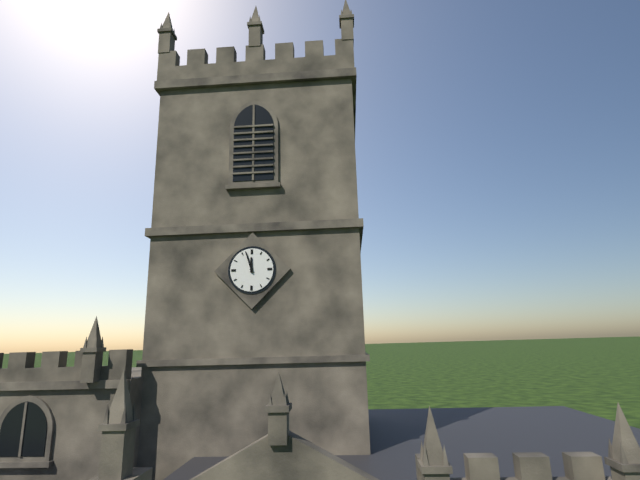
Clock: 11,57
